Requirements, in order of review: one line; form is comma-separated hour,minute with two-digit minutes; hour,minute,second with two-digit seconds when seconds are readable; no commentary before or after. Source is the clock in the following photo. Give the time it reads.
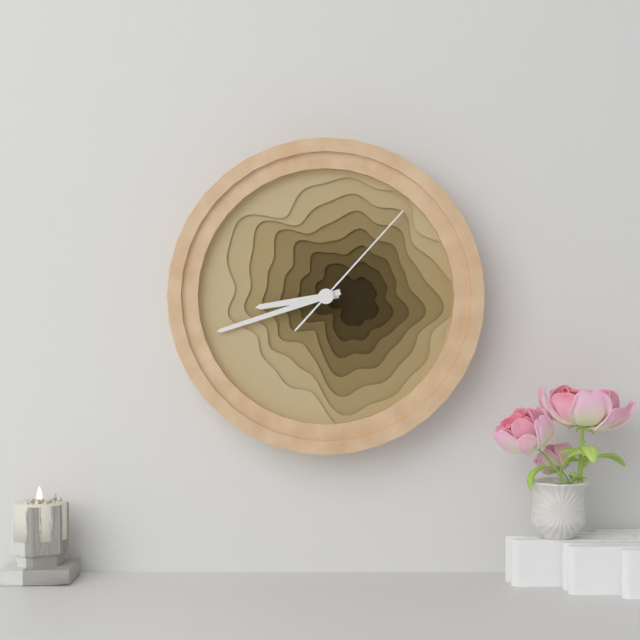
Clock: 8,42,07
